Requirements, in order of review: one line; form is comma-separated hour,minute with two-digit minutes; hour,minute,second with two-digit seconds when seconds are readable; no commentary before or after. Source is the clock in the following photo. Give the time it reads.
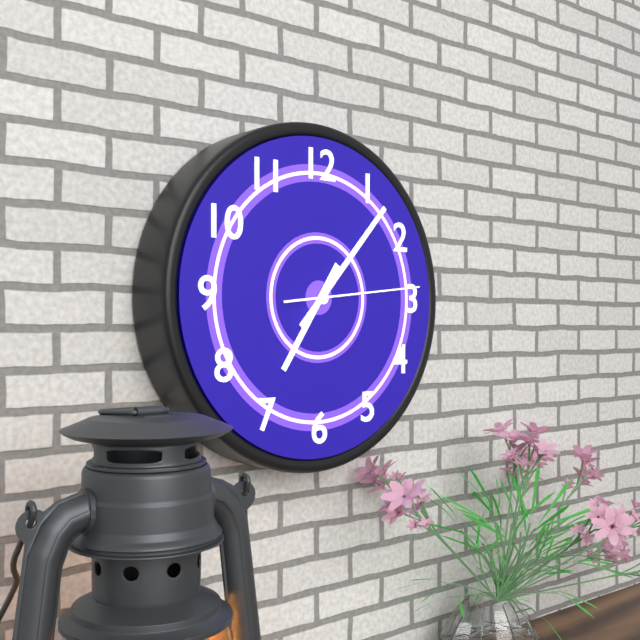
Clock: 7,07,14
